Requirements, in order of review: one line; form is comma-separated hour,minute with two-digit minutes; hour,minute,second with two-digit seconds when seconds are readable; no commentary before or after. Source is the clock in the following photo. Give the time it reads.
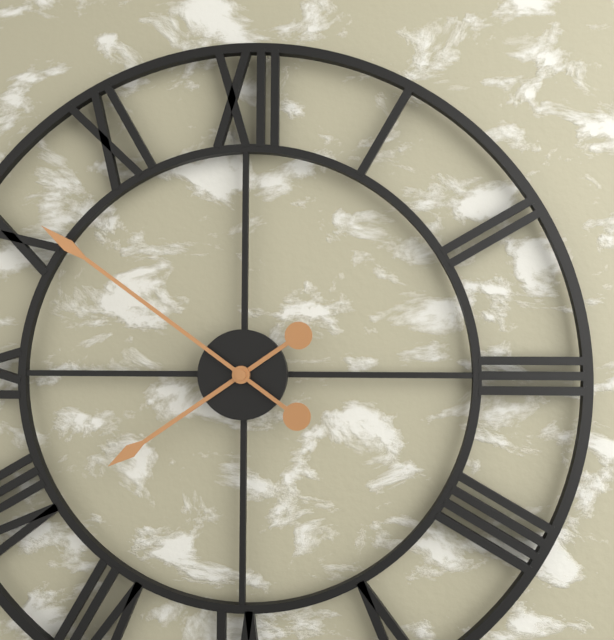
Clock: 7,51
